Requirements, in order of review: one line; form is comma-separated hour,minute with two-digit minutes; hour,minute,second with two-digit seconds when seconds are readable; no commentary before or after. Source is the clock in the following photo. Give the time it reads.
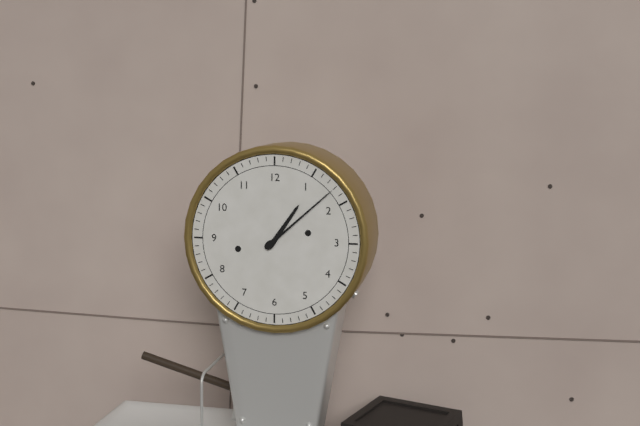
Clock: 1,08
